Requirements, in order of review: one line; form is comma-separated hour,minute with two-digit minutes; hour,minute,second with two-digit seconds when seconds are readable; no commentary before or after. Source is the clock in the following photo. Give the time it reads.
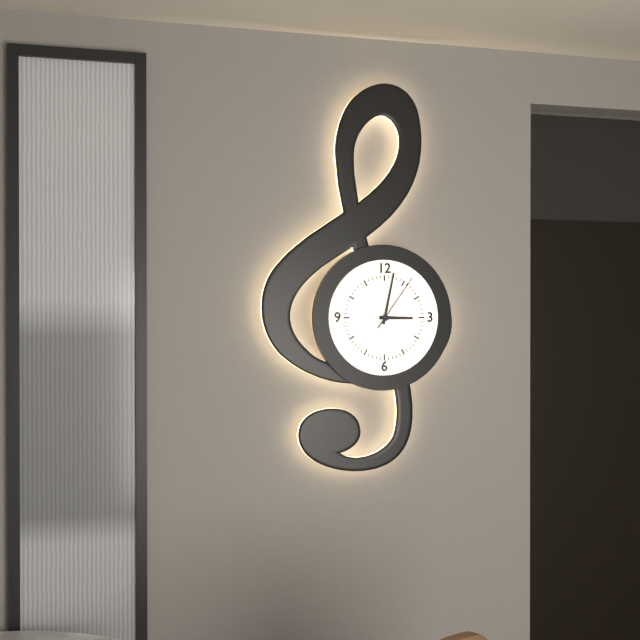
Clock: 3,02,06
